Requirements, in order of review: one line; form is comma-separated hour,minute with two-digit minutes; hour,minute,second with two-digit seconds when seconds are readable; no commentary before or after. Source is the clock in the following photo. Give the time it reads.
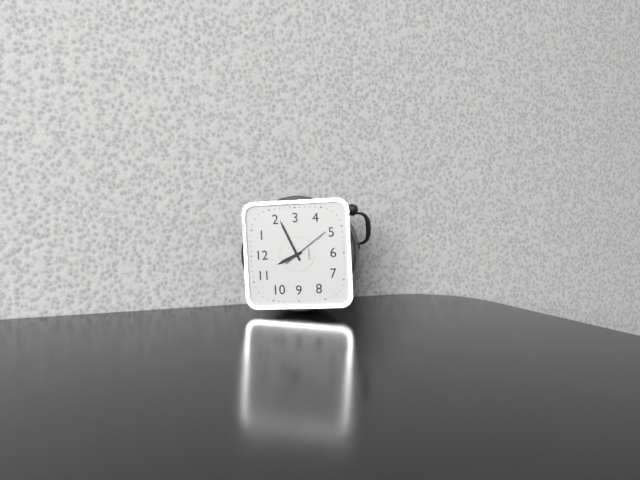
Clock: 11,11
